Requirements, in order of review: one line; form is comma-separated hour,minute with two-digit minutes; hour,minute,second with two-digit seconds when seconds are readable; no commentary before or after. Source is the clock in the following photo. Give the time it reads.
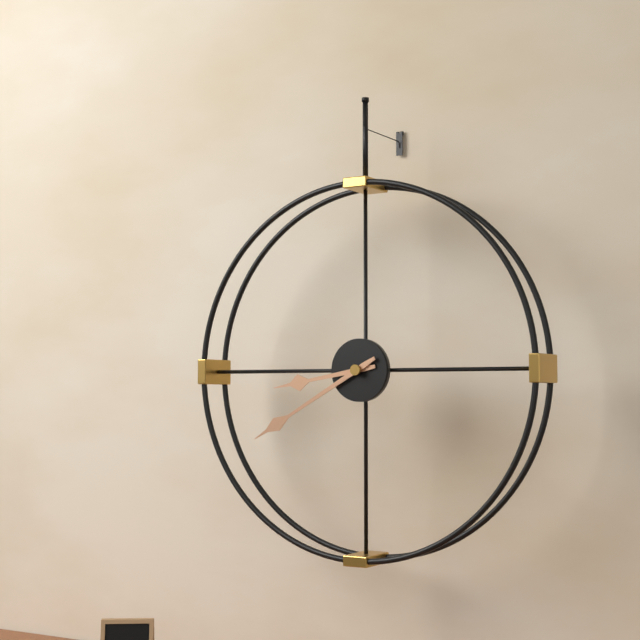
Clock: 8,40
